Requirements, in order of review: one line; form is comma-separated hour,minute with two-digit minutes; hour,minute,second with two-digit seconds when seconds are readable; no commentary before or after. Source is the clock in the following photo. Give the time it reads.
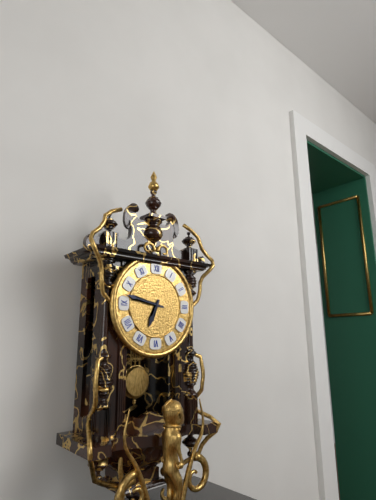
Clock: 6,47
